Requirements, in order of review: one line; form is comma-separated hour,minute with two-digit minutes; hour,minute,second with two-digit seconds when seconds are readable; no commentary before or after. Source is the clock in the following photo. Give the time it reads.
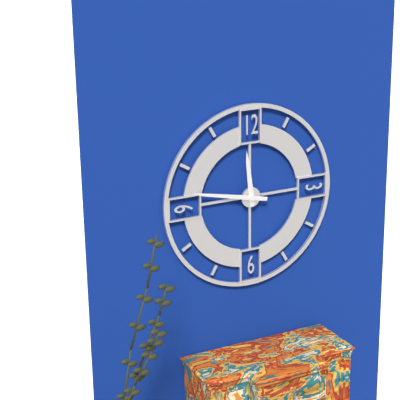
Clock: 11,47
